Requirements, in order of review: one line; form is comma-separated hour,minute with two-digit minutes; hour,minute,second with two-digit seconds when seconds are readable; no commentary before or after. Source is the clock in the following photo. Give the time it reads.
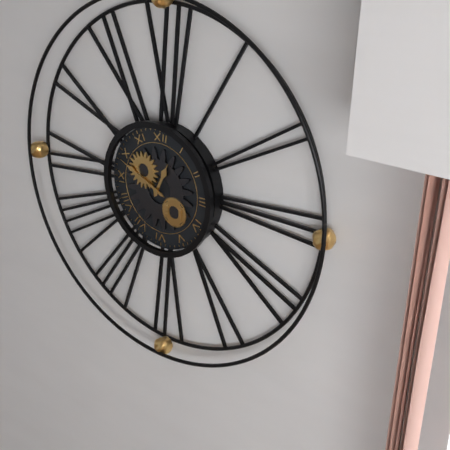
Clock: 12,49
